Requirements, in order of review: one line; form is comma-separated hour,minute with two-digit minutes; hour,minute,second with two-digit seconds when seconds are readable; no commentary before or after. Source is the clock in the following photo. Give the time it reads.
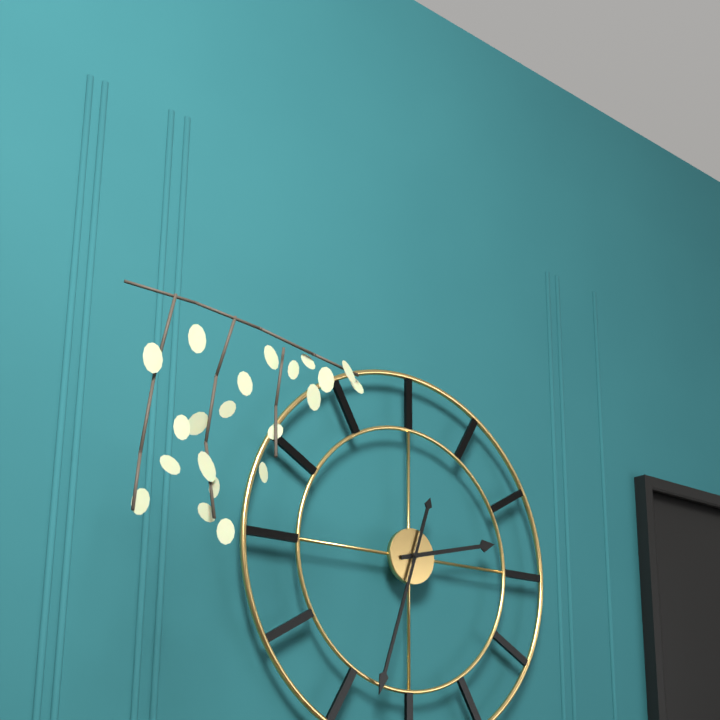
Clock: 2,33
